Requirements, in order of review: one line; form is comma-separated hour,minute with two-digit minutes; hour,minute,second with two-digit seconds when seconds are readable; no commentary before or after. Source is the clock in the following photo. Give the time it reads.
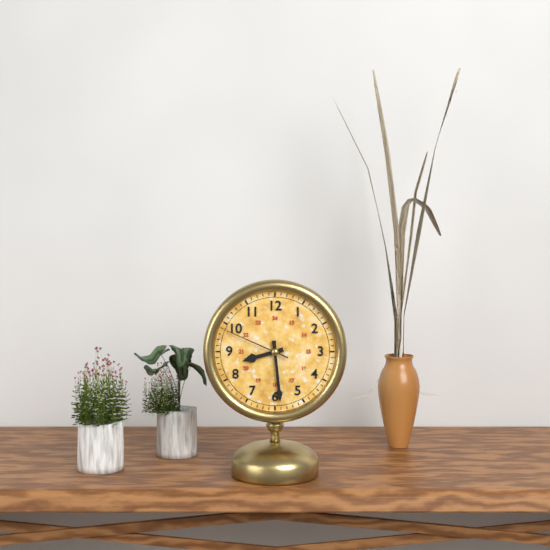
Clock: 8,29,49
